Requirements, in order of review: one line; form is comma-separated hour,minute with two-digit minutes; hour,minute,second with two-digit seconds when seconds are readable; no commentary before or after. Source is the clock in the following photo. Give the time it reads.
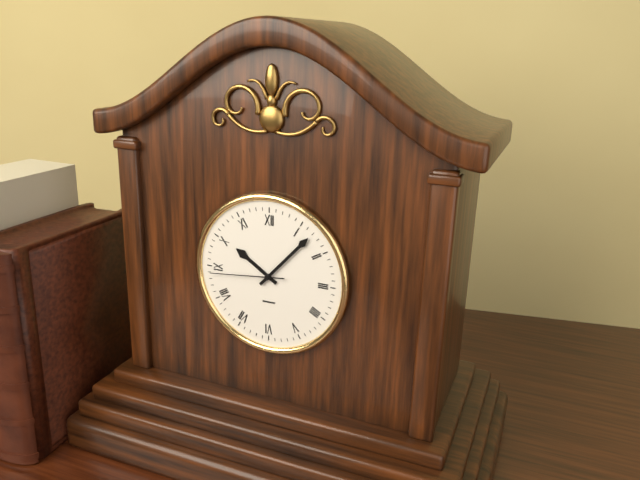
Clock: 10,07,44
